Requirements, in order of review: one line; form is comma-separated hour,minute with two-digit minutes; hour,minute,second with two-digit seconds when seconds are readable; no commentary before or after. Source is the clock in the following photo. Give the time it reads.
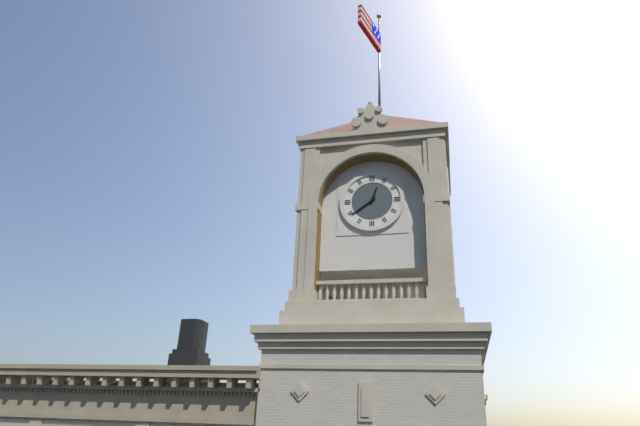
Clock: 12,39
